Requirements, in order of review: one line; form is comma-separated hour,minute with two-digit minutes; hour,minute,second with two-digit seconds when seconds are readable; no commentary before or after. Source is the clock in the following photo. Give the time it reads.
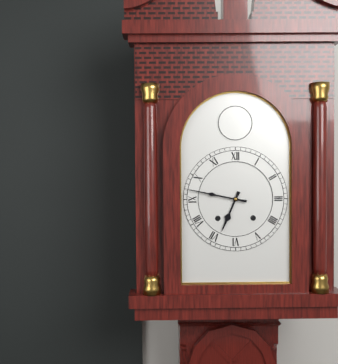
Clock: 6,47
